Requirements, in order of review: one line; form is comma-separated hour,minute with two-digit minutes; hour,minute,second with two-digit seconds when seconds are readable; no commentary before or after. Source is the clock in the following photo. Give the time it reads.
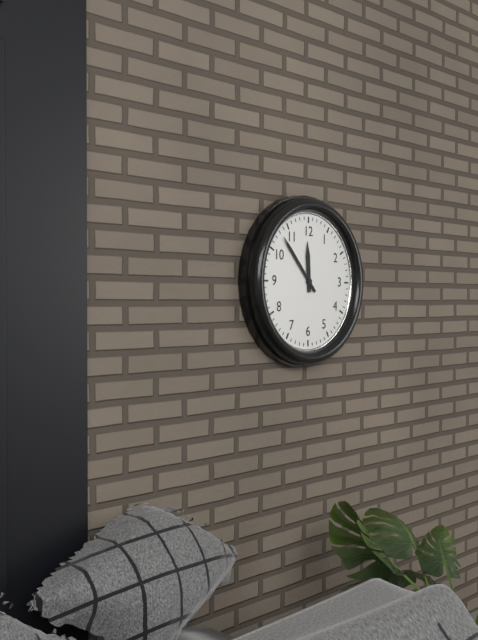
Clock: 11,53
